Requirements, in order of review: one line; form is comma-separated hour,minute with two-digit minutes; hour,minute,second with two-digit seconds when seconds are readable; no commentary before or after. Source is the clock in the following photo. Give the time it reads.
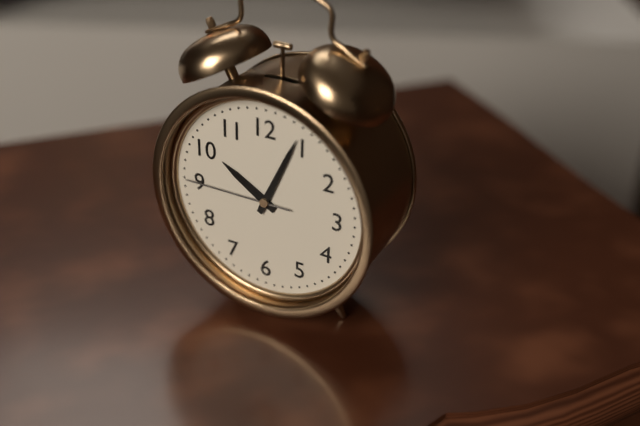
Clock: 10,04,45
